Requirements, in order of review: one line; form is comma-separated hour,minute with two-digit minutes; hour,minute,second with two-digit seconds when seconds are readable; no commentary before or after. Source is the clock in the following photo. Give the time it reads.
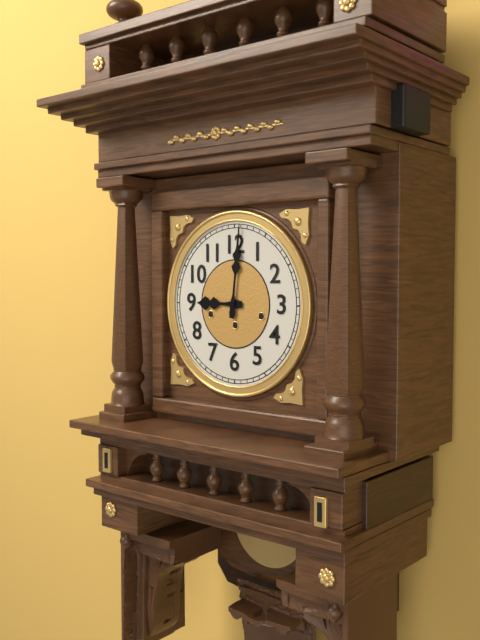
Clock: 9,01
